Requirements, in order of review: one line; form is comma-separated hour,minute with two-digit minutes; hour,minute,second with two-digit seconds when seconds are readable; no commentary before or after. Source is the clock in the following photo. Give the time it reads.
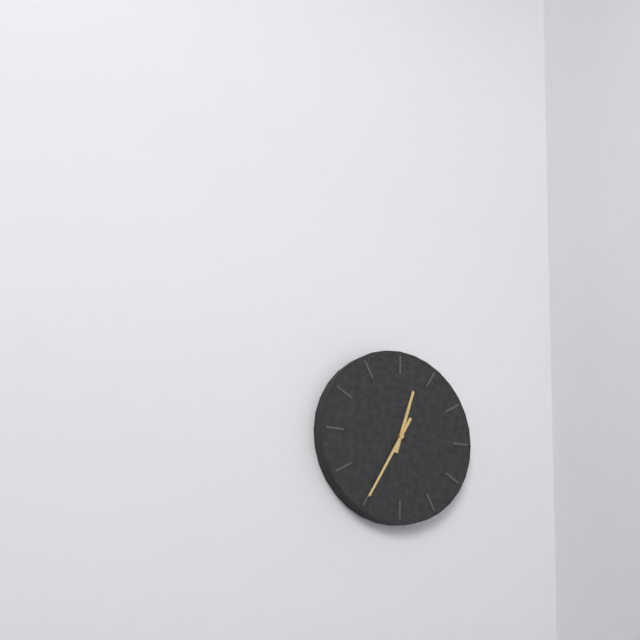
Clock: 12,35
